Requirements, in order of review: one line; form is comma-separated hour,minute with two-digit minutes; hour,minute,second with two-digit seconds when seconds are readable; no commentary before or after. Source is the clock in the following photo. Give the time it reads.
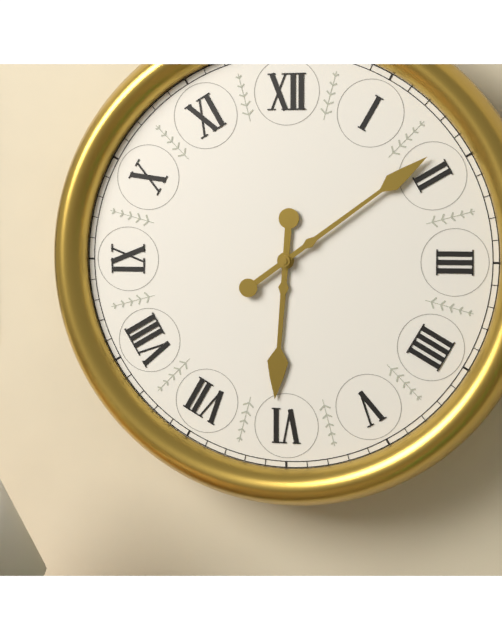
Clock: 6,09
